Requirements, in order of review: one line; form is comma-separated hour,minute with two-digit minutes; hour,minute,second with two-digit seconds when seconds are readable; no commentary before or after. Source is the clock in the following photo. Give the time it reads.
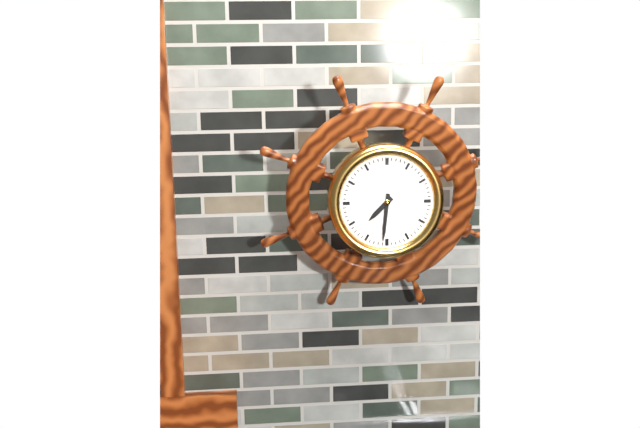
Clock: 7,31
